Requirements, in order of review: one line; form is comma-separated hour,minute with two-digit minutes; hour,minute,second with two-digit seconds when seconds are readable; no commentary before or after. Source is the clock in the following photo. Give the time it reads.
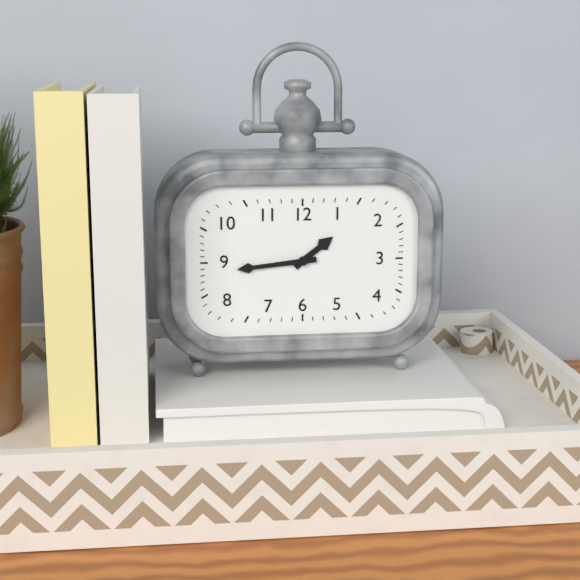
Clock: 1,44
